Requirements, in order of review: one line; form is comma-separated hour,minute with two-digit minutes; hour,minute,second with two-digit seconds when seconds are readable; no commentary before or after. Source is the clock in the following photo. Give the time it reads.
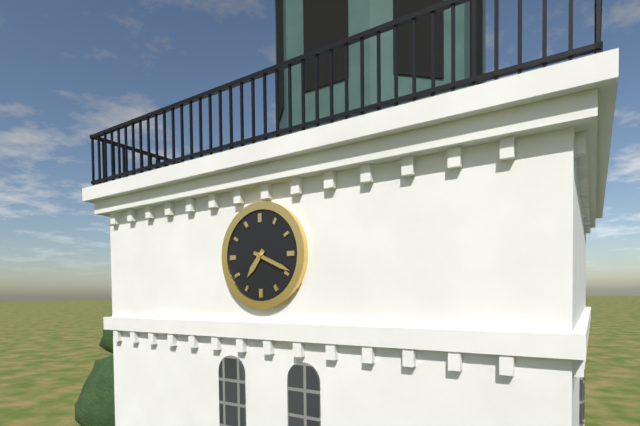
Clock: 7,19
